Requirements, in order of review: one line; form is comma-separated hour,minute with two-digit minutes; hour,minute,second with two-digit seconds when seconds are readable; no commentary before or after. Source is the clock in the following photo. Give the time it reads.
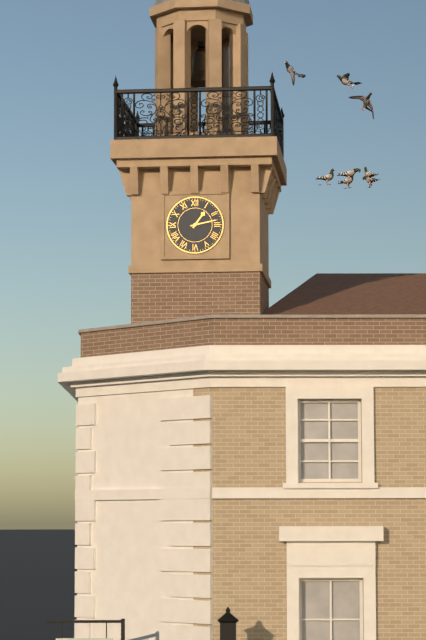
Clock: 1,13
